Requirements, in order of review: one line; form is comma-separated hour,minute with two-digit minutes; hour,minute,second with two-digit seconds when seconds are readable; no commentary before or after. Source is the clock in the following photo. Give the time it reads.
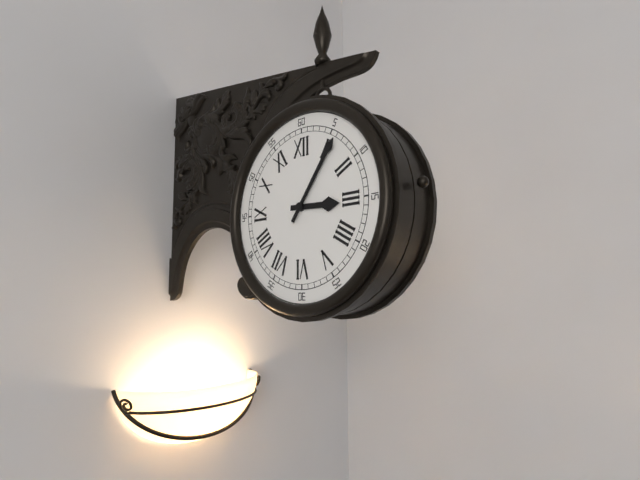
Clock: 3,06
